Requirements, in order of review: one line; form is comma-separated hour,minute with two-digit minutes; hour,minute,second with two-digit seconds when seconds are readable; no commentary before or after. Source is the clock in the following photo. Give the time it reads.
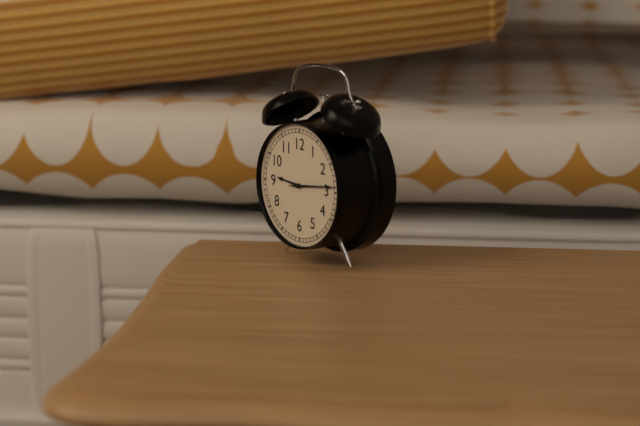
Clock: 9,14
